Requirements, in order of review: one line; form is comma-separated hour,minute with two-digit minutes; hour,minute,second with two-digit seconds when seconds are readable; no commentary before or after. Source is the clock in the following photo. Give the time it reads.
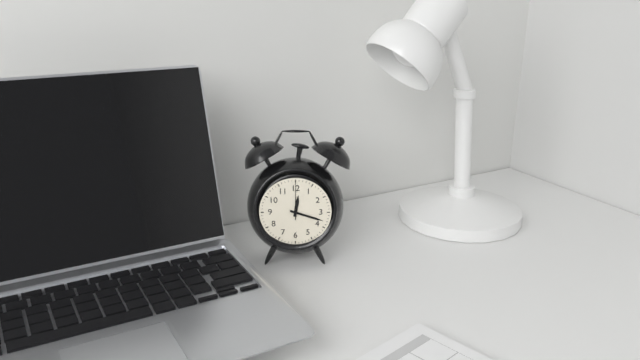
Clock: 12,18
